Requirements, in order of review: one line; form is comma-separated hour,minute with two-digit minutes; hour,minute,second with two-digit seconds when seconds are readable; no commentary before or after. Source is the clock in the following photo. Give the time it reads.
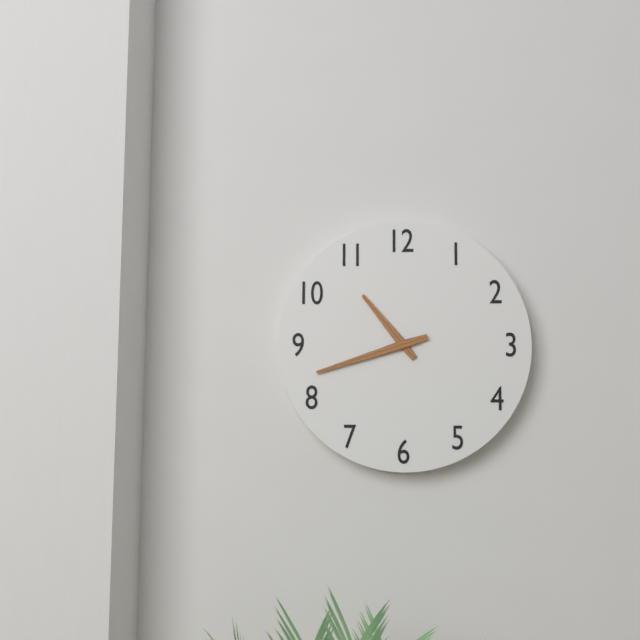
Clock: 10,42
